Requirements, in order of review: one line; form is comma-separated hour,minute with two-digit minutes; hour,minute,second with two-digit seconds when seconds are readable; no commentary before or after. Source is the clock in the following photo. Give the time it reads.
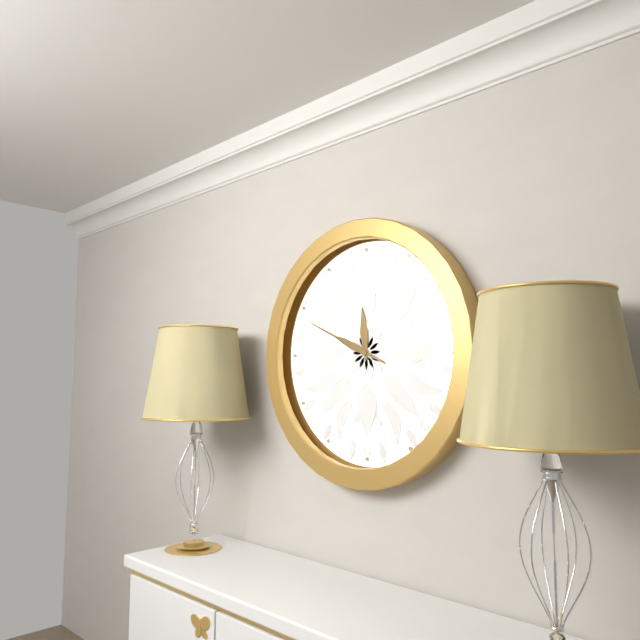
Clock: 11,49
